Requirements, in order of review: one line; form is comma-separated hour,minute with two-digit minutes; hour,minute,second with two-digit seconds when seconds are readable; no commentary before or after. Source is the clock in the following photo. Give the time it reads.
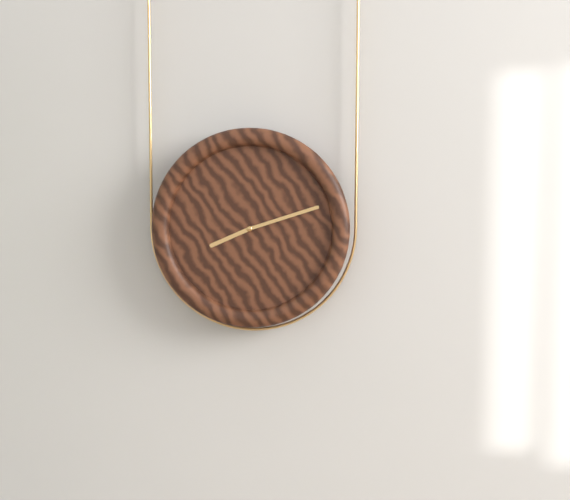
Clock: 8,12
